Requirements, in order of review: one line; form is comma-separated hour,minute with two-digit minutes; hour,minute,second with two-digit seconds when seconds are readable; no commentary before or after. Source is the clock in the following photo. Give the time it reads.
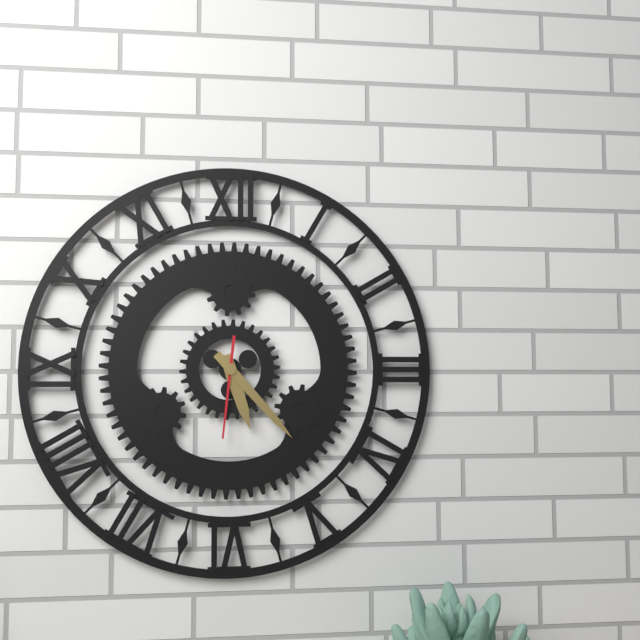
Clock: 5,23,31
